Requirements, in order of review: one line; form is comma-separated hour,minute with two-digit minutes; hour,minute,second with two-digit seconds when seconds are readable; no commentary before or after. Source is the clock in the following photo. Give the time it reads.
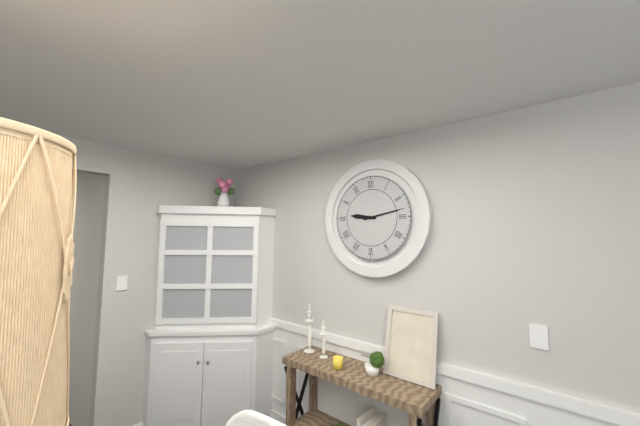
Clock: 9,13
